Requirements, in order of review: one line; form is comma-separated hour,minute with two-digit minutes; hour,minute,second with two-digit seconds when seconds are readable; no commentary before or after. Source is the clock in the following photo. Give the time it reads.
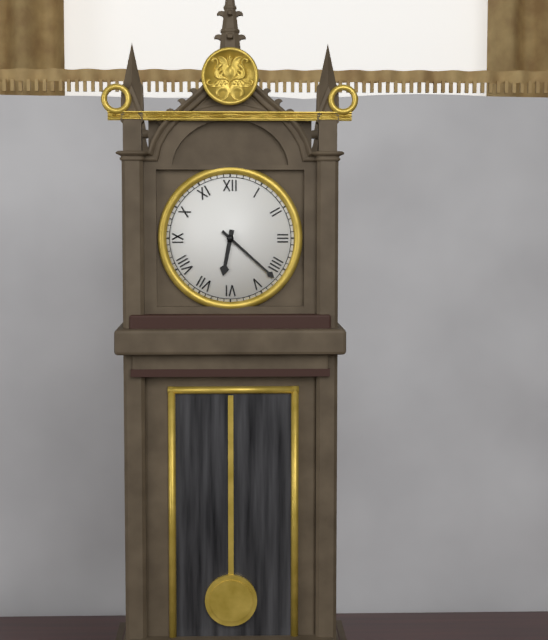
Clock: 6,22
